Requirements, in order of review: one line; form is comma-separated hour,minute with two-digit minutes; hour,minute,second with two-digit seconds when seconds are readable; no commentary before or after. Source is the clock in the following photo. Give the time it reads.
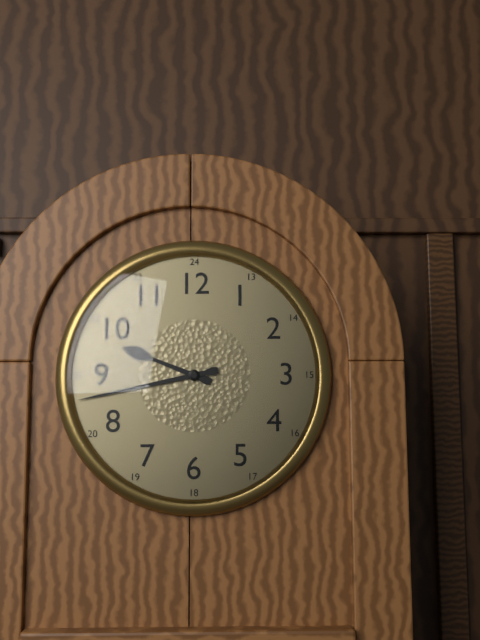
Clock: 9,43
